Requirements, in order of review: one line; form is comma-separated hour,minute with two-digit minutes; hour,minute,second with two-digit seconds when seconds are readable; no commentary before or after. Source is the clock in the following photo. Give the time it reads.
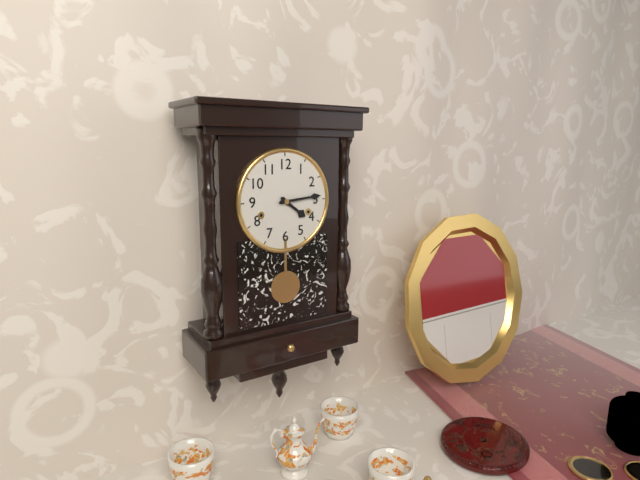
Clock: 4,14
